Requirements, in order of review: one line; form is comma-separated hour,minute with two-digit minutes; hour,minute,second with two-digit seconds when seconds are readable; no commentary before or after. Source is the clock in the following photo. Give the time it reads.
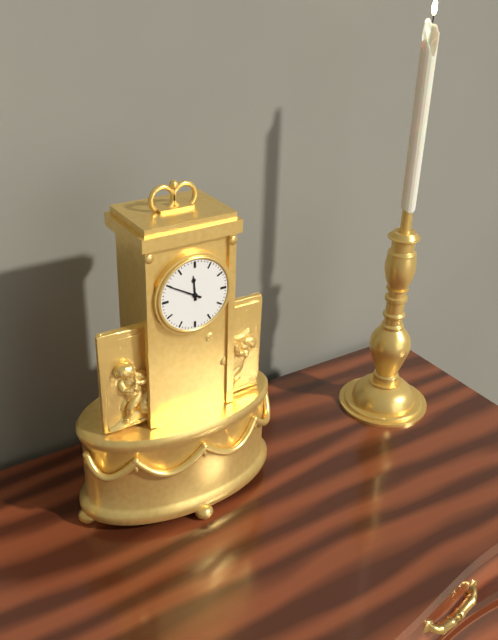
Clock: 11,50
